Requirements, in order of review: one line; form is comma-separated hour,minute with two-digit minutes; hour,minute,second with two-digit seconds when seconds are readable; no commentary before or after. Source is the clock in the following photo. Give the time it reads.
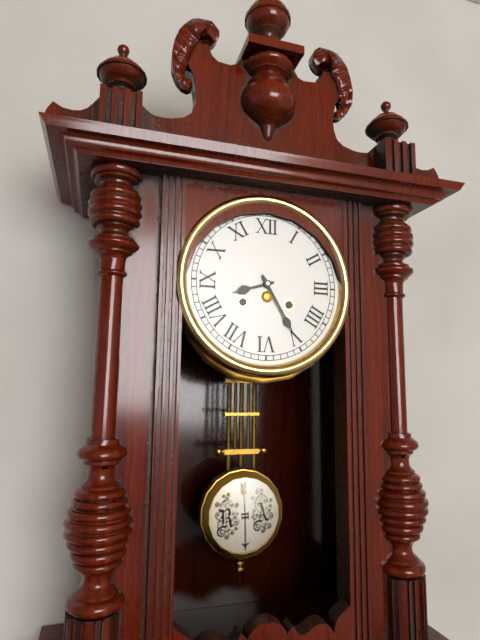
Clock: 8,25
